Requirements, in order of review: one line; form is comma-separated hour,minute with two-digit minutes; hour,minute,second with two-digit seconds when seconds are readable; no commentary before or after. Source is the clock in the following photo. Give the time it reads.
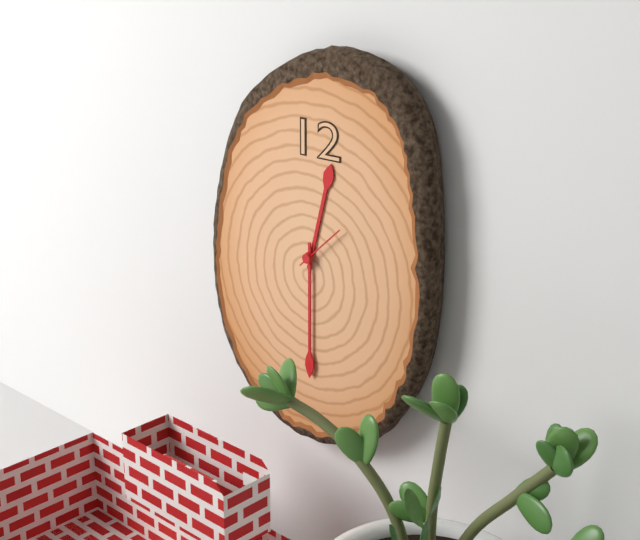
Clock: 12,30,08
